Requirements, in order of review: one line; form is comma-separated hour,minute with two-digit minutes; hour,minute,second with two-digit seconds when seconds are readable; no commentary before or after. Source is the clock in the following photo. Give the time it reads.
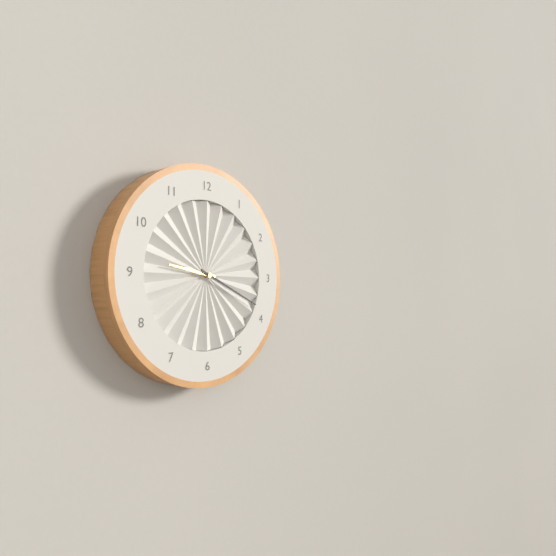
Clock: 9,19
